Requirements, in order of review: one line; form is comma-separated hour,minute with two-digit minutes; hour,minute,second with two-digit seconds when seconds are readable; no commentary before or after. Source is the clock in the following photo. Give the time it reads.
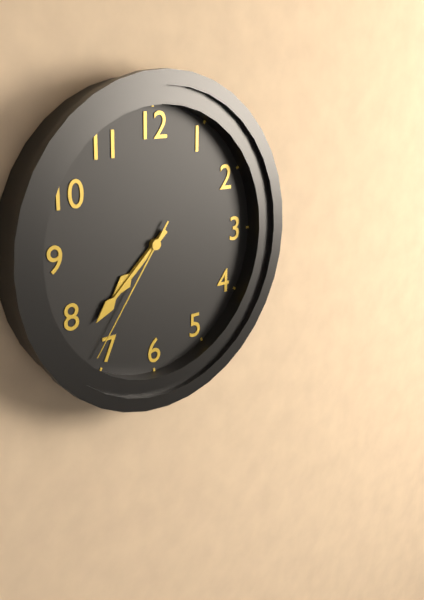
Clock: 7,38,36
